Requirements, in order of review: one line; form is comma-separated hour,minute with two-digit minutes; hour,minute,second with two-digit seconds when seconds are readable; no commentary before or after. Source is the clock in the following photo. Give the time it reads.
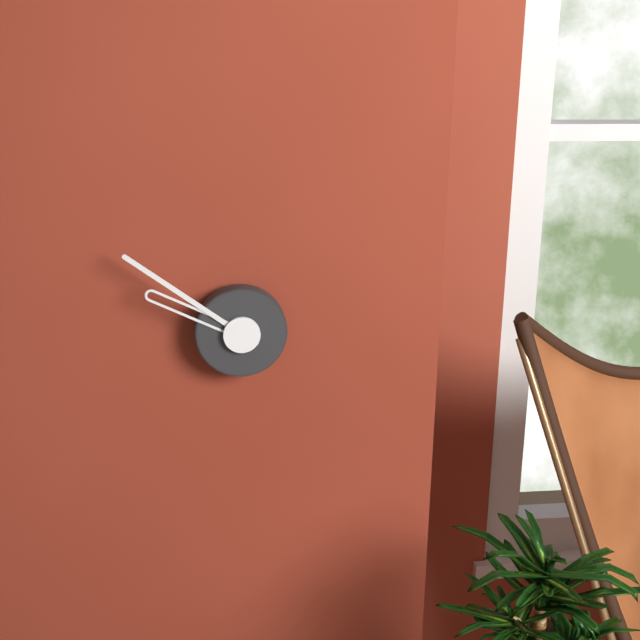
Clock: 9,51
